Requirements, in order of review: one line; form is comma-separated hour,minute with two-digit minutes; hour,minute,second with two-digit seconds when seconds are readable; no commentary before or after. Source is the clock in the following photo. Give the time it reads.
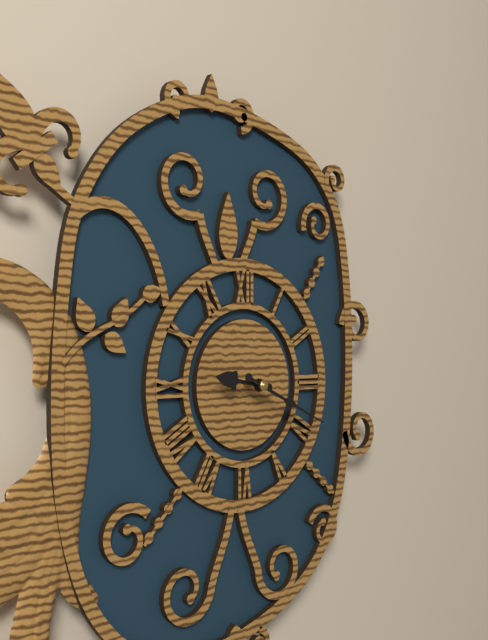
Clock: 9,19
